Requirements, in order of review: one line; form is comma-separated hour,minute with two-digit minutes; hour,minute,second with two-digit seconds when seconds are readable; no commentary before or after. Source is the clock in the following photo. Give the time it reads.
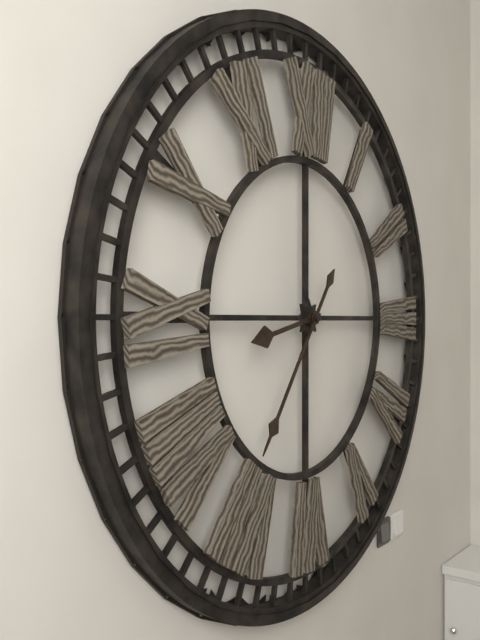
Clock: 8,36
